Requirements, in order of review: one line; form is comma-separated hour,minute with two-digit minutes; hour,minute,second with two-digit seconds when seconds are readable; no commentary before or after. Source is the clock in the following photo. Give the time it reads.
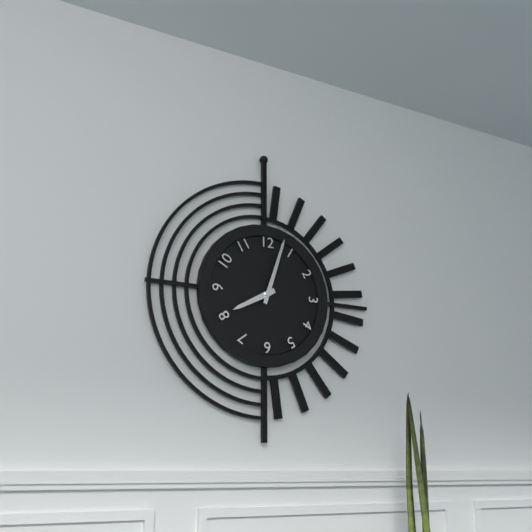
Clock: 8,03
